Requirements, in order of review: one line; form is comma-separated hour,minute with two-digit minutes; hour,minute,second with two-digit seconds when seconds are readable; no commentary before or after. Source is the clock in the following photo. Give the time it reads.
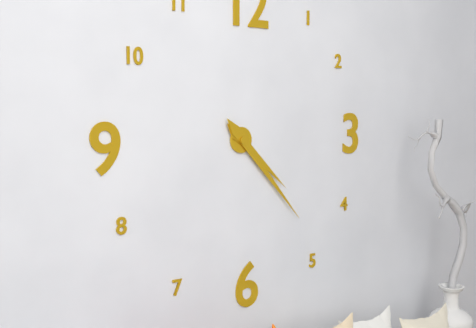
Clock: 4,23
